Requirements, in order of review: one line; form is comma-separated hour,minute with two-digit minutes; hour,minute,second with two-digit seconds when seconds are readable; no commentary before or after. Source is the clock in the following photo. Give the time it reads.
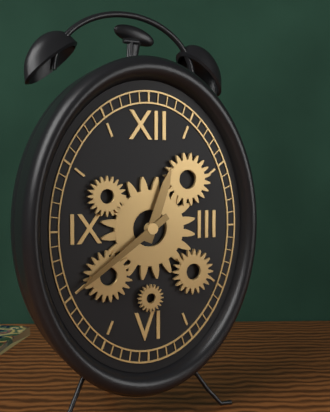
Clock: 12,39
